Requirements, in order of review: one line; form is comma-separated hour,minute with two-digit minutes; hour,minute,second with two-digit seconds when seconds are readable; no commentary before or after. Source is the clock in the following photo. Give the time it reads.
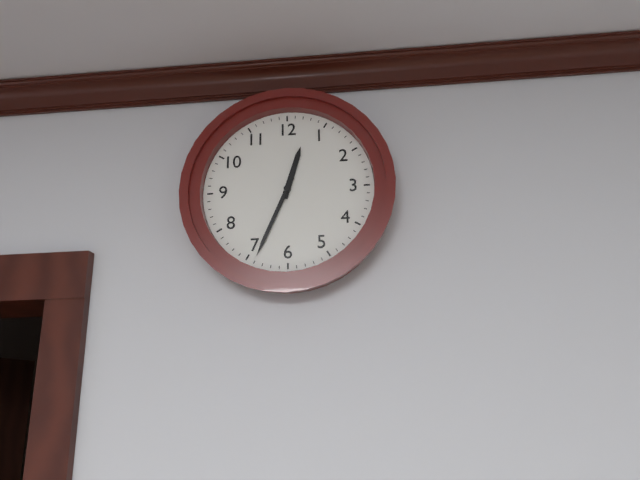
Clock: 12,34
